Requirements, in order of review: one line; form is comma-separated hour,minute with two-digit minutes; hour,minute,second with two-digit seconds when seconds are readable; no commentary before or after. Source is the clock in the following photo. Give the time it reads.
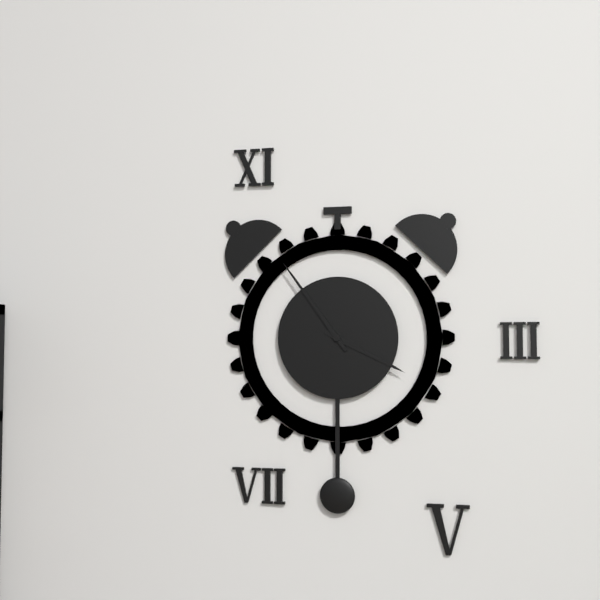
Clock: 3,54
